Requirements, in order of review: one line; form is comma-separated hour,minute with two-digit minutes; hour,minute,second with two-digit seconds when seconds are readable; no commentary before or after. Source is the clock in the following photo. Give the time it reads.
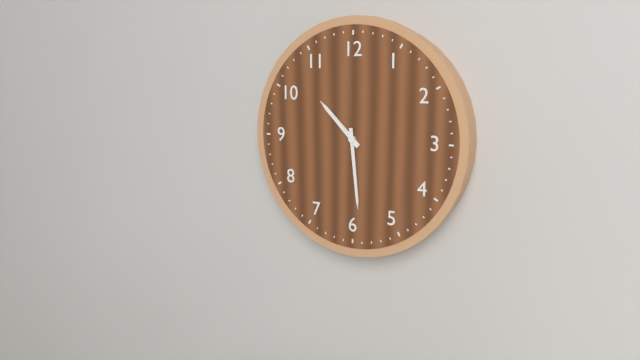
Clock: 10,29
